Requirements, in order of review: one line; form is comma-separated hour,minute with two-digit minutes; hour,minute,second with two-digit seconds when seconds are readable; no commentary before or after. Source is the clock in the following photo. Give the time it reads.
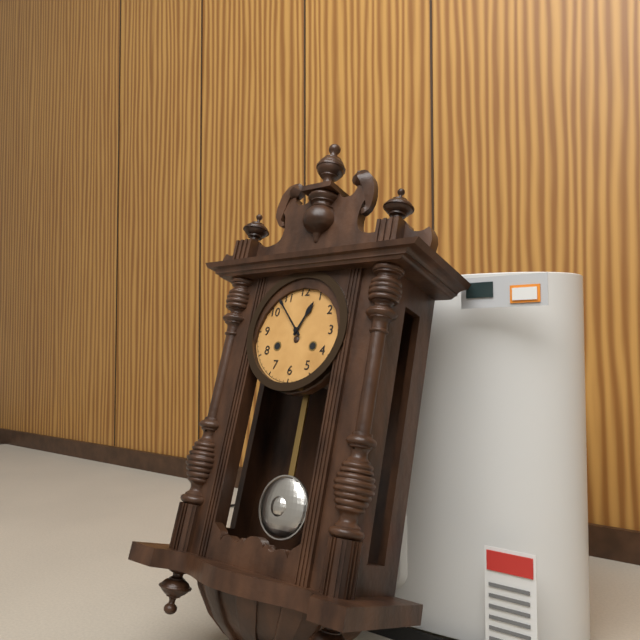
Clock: 12,53
